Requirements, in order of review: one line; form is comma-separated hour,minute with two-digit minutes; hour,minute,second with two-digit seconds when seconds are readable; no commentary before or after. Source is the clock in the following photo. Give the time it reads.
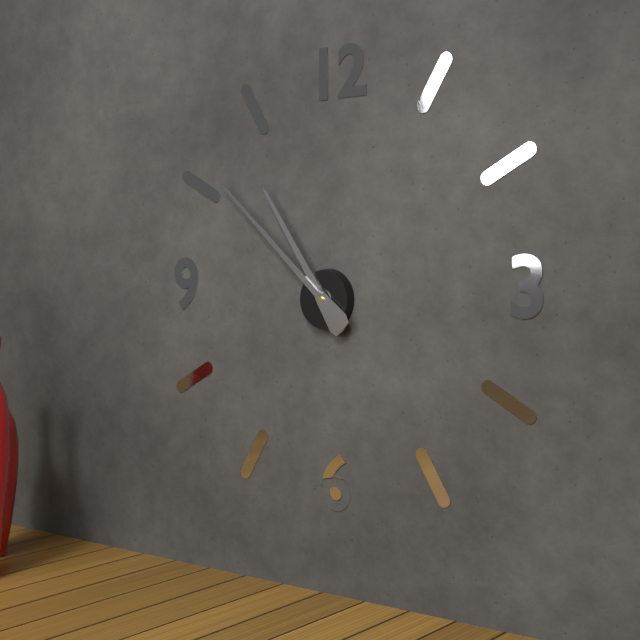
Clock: 10,52
